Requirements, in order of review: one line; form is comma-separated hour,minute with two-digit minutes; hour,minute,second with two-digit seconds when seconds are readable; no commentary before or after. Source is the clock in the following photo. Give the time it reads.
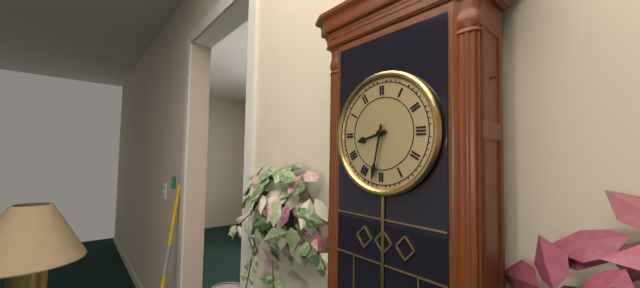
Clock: 8,32
